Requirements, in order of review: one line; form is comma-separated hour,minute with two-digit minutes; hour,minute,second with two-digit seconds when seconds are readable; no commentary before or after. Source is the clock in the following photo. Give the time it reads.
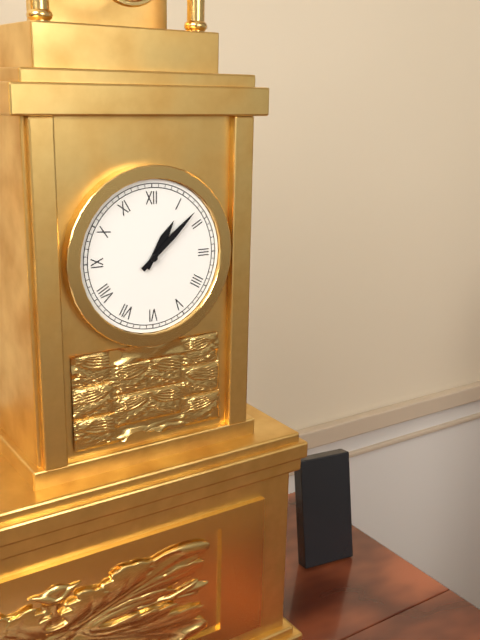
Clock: 1,08
